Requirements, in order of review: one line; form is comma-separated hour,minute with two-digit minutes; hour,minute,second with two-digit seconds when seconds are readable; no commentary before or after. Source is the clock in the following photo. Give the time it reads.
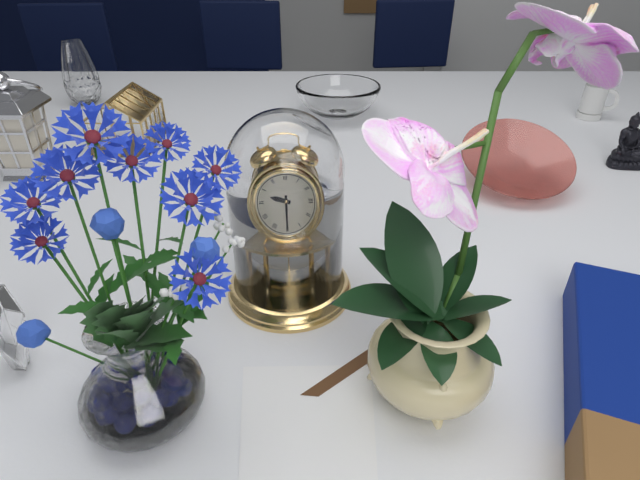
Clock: 9,30
